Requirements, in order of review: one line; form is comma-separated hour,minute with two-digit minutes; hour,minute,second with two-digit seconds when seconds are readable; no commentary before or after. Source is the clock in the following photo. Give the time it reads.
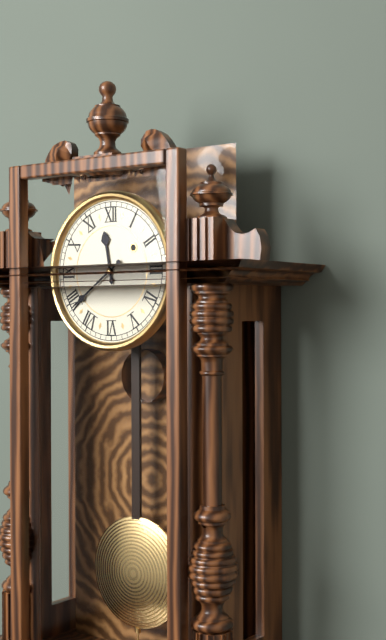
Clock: 11,39
